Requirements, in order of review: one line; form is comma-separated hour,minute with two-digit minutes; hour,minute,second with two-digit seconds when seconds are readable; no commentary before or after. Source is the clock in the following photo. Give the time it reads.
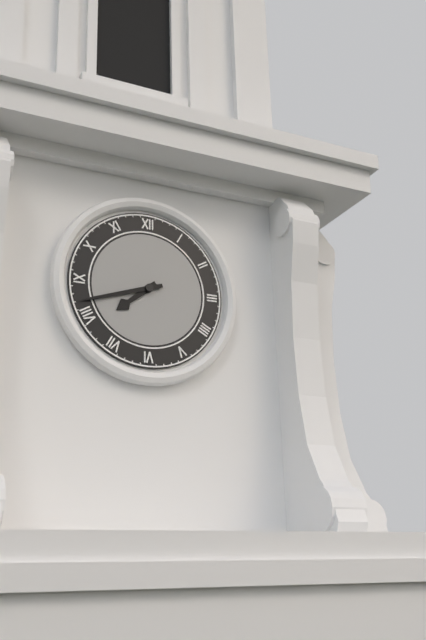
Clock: 7,42
